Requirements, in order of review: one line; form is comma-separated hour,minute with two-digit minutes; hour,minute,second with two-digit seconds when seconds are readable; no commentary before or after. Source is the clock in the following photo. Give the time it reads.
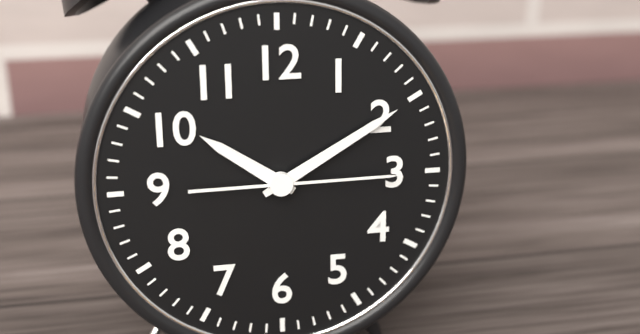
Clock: 10,10,15
